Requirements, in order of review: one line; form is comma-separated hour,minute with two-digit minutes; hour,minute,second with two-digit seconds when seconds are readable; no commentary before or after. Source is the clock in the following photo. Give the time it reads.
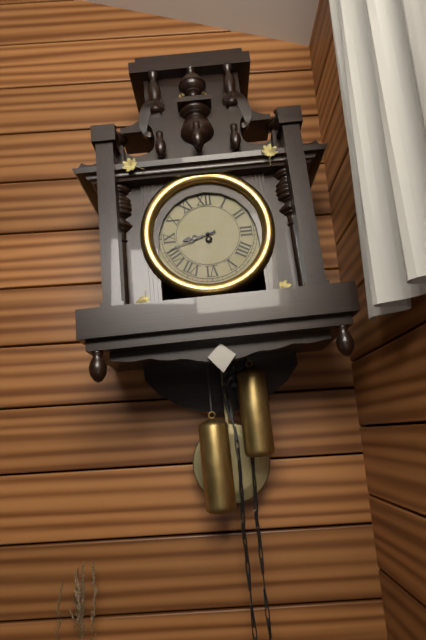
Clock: 8,42
